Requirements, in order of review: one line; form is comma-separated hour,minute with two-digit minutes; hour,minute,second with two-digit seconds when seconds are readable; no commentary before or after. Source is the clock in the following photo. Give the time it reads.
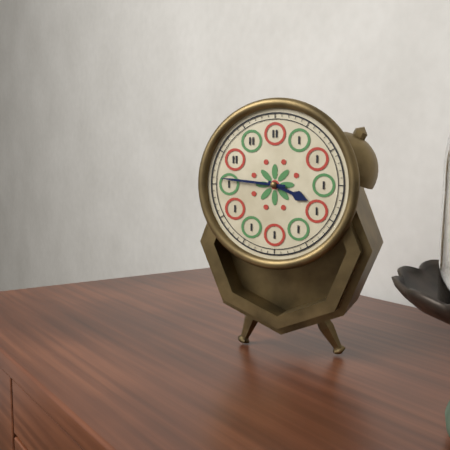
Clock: 3,46
